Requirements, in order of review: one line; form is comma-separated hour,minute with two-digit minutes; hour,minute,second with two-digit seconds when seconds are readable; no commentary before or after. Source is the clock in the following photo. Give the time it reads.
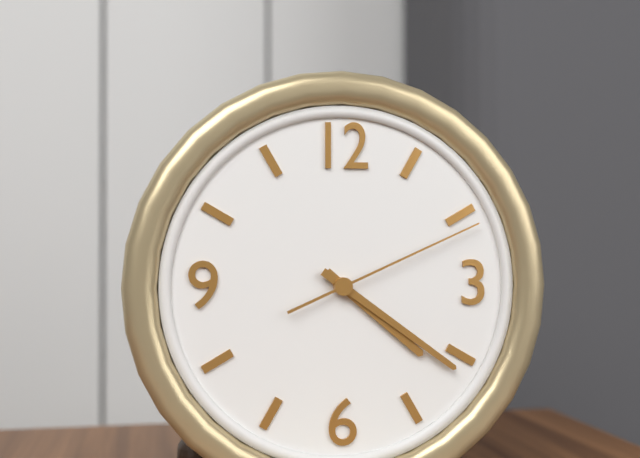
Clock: 4,21,11
